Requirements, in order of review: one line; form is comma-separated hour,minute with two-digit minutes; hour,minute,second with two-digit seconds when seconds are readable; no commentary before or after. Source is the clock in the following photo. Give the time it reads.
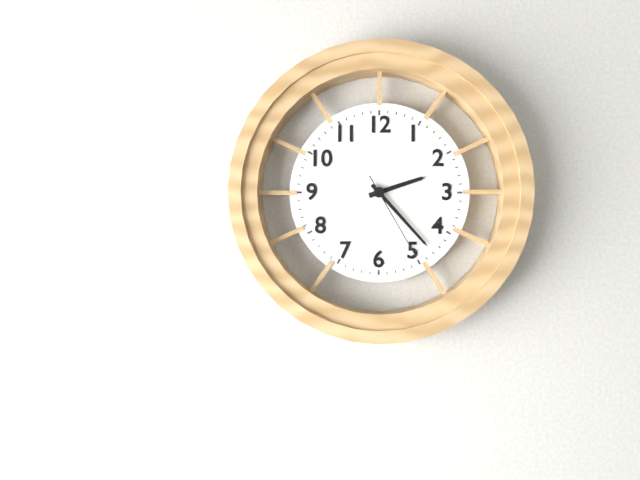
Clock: 2,23,25
